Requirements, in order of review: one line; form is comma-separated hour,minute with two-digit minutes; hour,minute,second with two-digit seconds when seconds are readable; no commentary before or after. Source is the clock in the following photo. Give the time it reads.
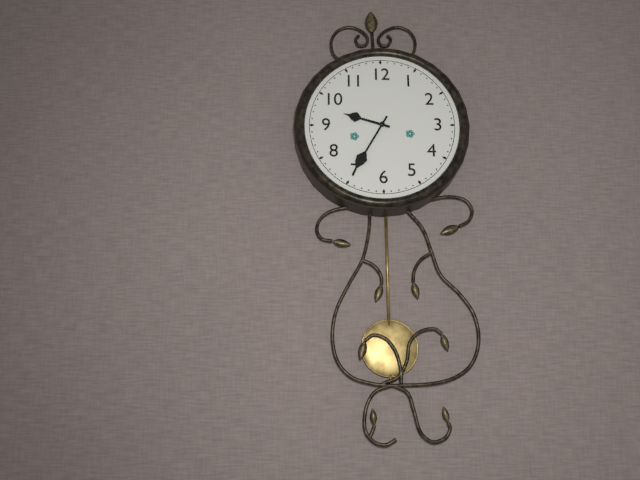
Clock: 9,35
